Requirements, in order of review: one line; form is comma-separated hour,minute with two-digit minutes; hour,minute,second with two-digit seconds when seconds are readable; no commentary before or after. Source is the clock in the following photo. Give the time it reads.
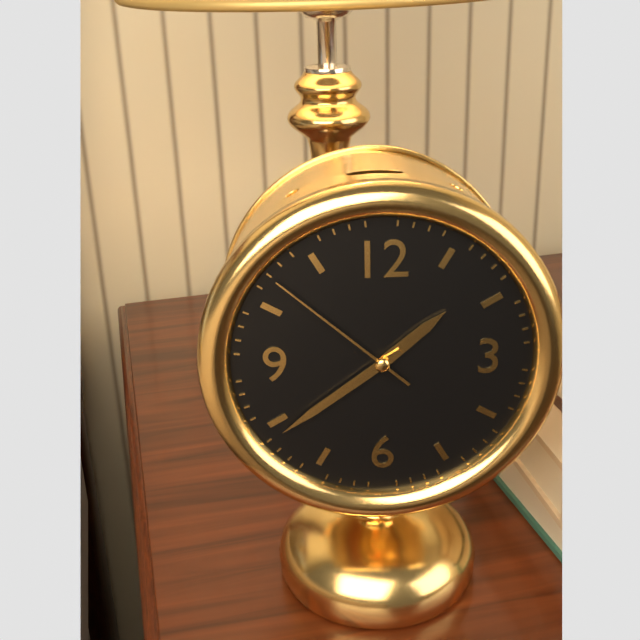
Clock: 1,39,52
